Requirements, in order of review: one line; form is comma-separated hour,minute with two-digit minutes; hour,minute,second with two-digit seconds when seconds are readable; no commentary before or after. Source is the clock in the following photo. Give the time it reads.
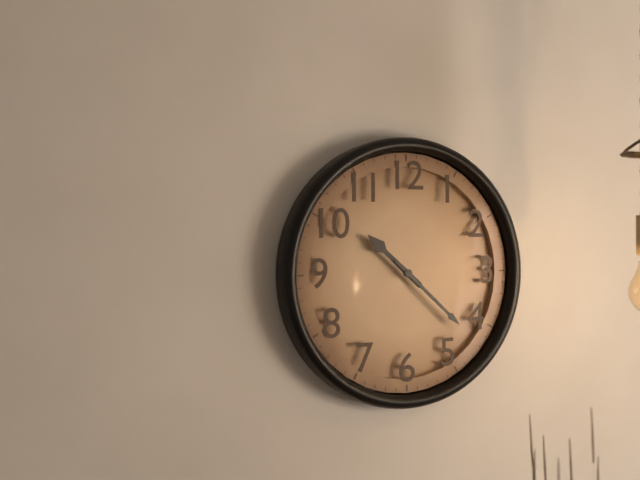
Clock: 10,22
